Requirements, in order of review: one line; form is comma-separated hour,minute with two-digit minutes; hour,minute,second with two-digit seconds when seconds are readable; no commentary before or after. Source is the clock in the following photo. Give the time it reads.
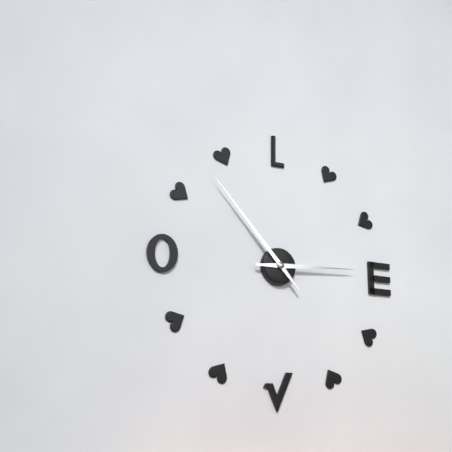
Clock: 2,53
